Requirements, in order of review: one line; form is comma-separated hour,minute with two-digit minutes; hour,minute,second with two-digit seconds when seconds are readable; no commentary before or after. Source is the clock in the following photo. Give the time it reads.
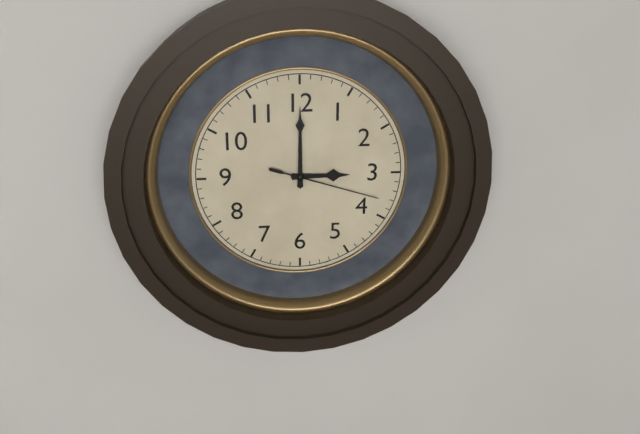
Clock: 3,00,18
